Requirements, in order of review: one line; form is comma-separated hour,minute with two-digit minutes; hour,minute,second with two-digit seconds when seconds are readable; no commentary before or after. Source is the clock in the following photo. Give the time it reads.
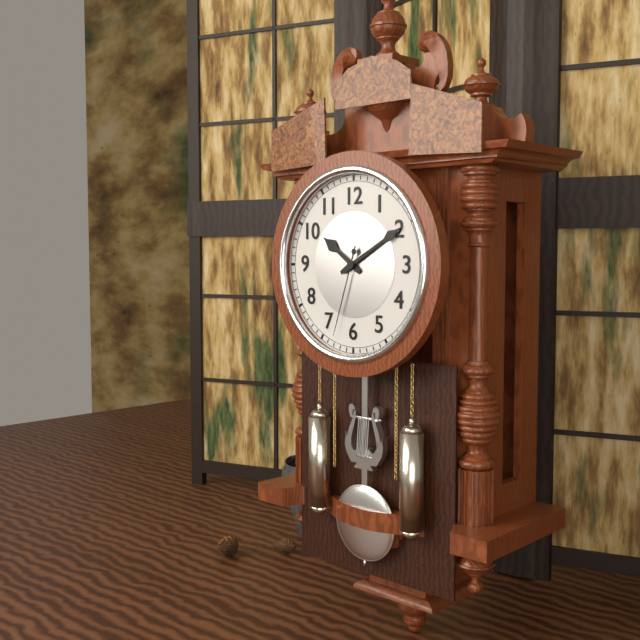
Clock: 10,10,33
